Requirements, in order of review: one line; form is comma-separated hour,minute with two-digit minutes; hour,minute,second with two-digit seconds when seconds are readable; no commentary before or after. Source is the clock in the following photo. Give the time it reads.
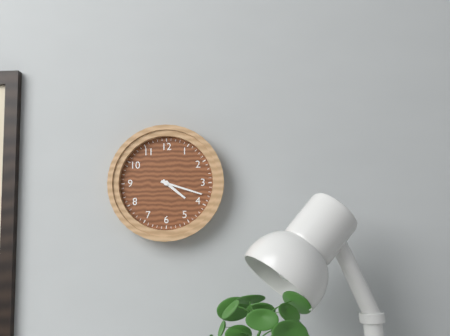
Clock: 4,18
